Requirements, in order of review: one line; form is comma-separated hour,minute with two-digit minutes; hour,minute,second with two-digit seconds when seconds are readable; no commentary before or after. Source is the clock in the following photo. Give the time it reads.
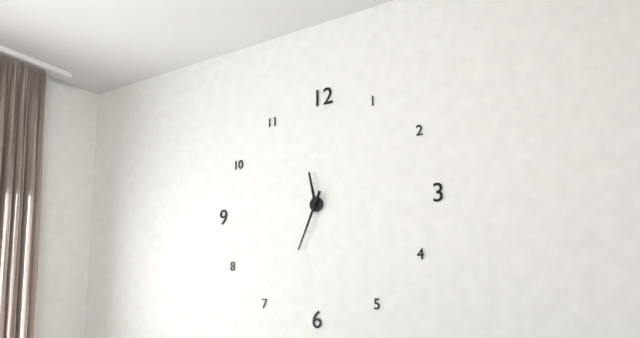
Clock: 11,34
